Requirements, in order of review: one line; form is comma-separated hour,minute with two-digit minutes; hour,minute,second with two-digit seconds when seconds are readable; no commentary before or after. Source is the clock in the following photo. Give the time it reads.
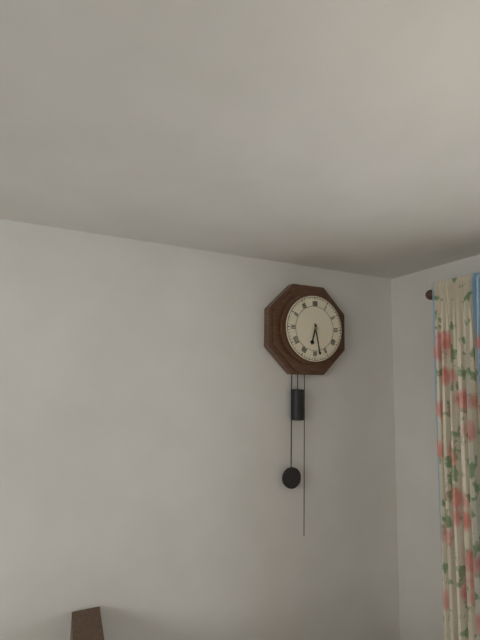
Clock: 6,28
